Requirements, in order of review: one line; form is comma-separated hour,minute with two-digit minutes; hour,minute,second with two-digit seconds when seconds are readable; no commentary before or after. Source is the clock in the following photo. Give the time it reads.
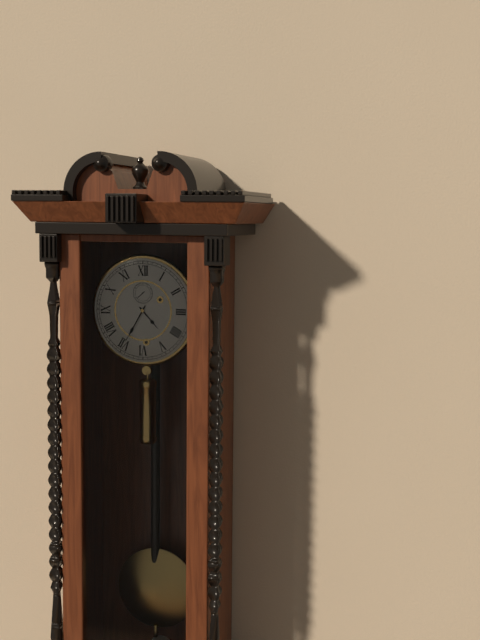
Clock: 4,35
